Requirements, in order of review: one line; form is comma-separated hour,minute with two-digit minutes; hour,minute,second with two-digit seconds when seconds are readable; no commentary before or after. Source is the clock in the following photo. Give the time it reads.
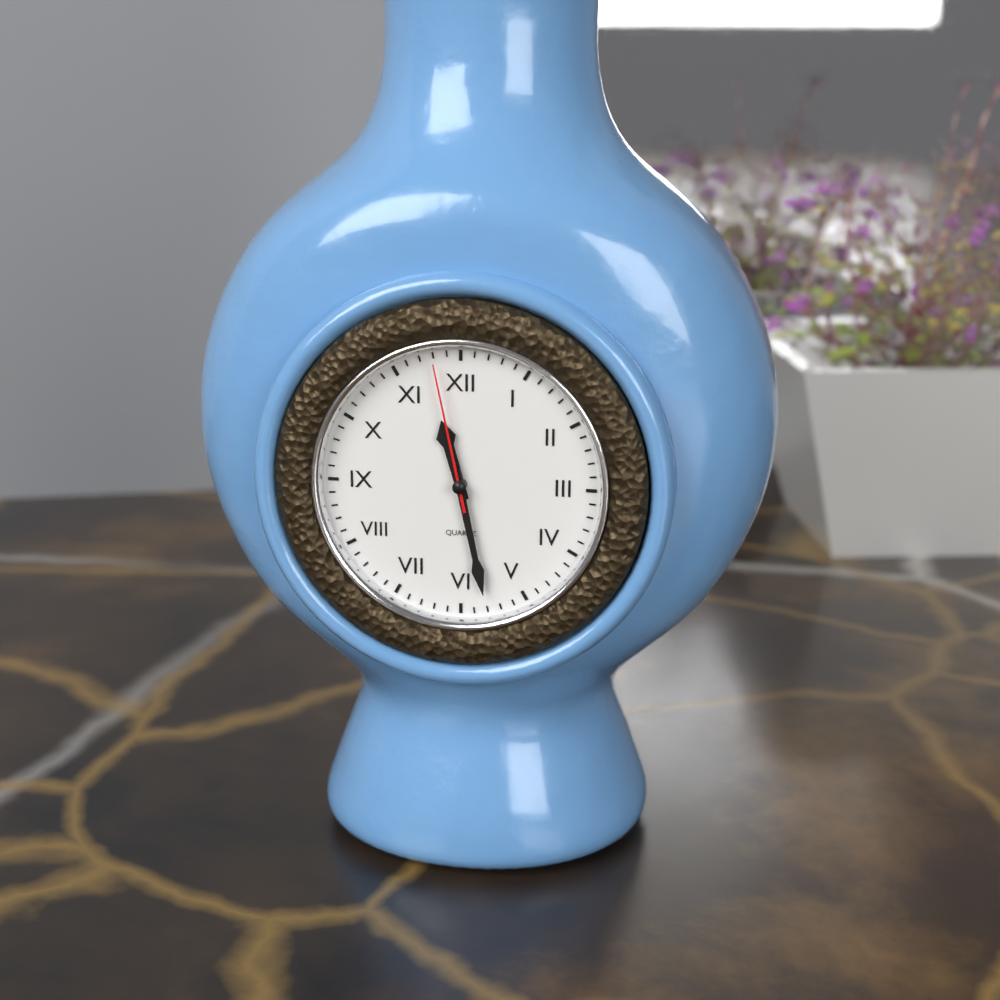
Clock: 11,28,58
